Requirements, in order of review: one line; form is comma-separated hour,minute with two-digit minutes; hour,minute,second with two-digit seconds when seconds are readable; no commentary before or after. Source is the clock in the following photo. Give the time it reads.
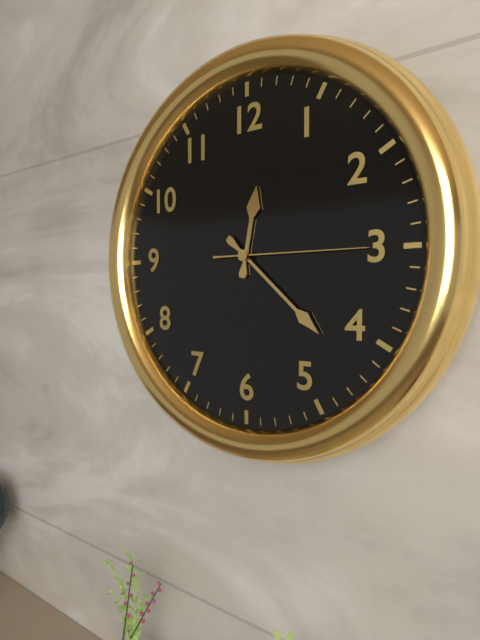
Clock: 12,22,15
